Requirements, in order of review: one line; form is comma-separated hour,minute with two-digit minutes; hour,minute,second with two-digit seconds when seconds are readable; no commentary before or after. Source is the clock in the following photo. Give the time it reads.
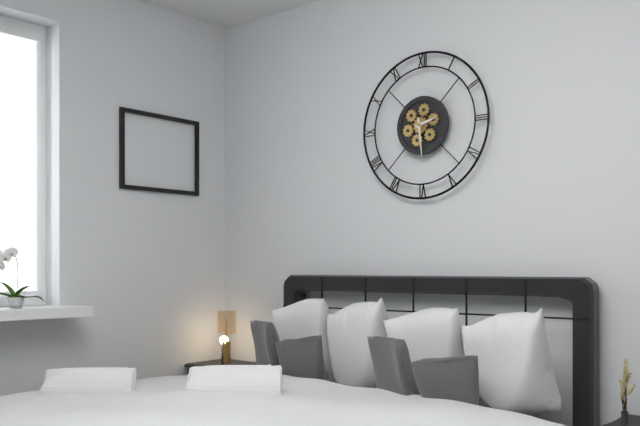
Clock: 2,29
